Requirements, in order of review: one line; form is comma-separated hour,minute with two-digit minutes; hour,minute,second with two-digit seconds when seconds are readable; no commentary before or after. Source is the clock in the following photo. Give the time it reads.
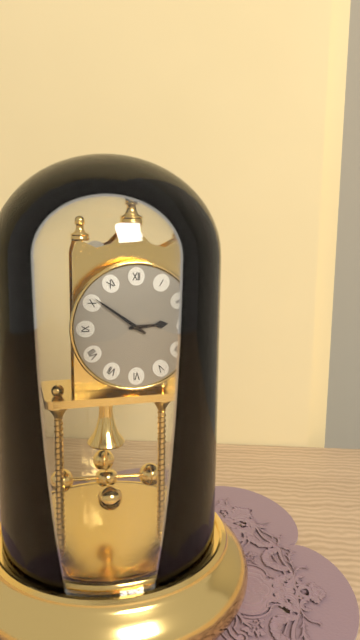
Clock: 2,51
